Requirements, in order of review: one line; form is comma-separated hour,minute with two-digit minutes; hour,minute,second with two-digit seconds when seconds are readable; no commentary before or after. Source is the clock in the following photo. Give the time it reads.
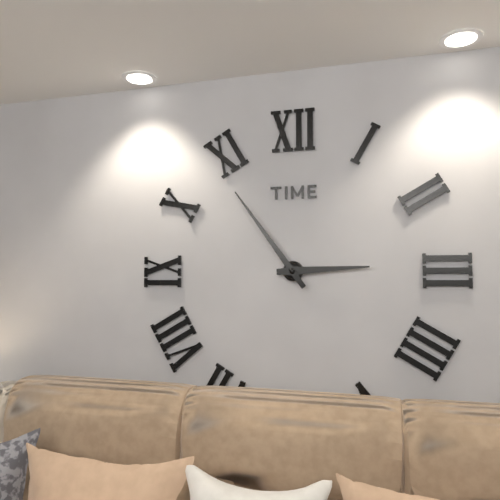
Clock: 2,54
